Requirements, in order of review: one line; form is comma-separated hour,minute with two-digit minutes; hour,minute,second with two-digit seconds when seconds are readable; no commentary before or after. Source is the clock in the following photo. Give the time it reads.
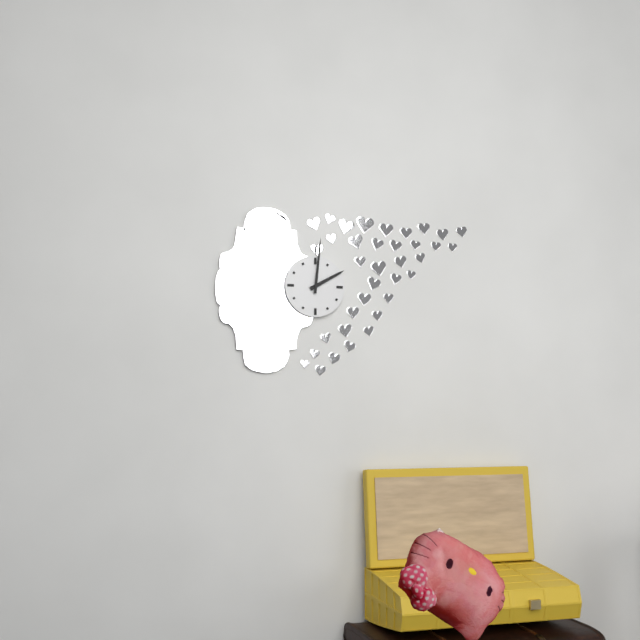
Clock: 2,01
